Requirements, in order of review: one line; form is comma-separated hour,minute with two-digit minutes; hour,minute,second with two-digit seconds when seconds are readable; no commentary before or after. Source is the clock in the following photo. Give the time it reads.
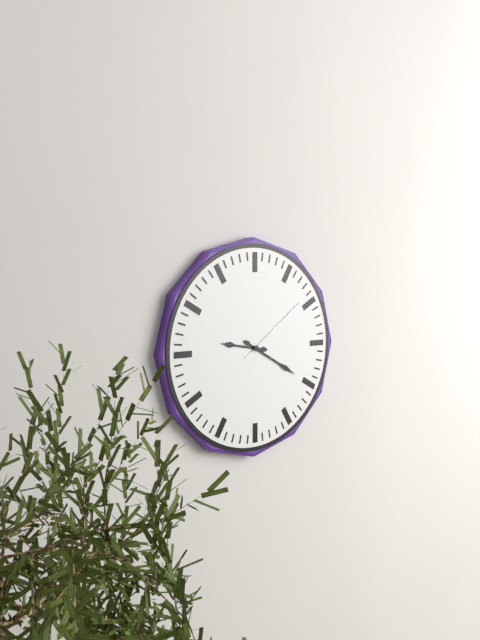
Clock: 9,20,09
